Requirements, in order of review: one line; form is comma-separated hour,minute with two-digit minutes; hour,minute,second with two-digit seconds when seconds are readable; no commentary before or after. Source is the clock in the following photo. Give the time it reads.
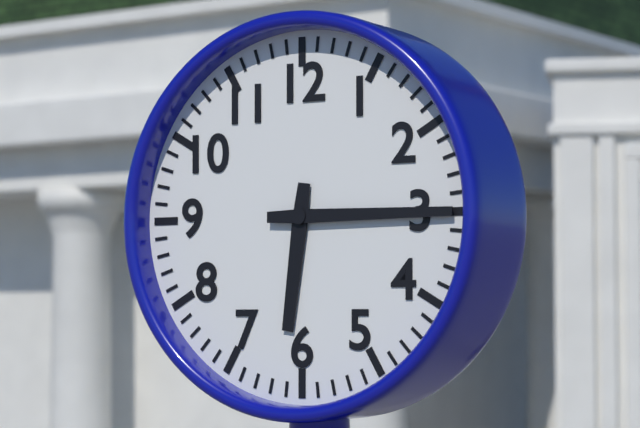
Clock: 6,15
